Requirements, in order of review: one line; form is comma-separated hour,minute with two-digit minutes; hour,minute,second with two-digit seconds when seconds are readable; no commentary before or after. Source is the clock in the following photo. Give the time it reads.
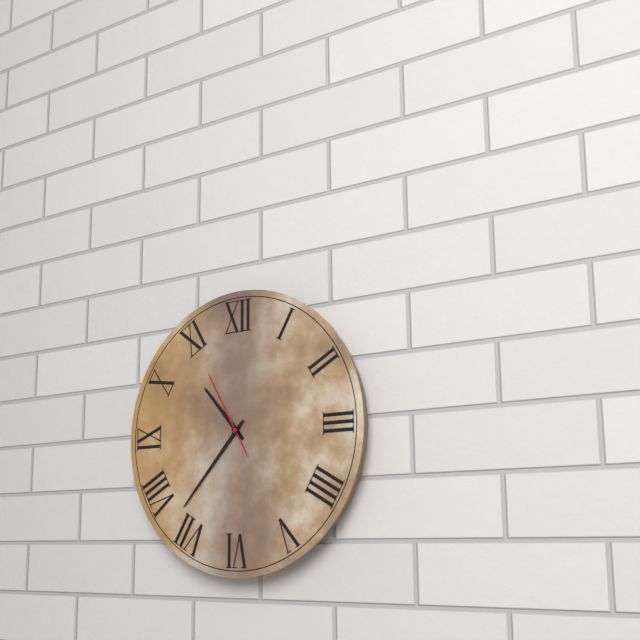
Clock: 10,37,55
